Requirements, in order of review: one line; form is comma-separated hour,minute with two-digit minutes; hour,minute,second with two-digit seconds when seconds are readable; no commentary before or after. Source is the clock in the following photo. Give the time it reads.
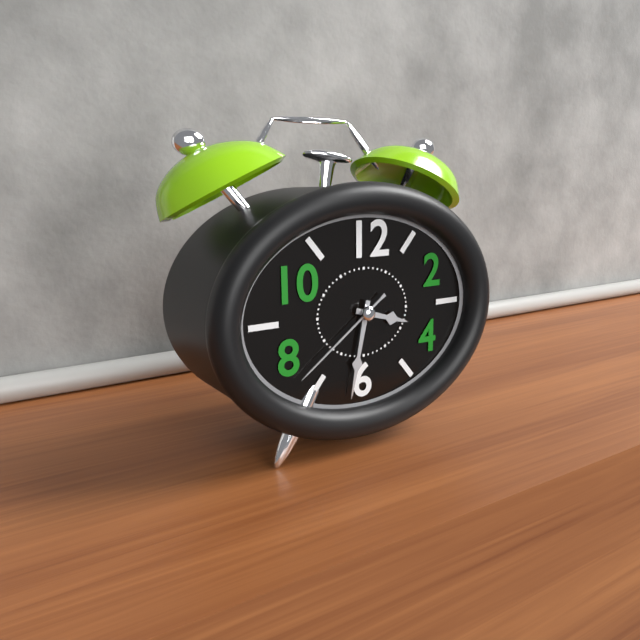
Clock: 3,32,39
